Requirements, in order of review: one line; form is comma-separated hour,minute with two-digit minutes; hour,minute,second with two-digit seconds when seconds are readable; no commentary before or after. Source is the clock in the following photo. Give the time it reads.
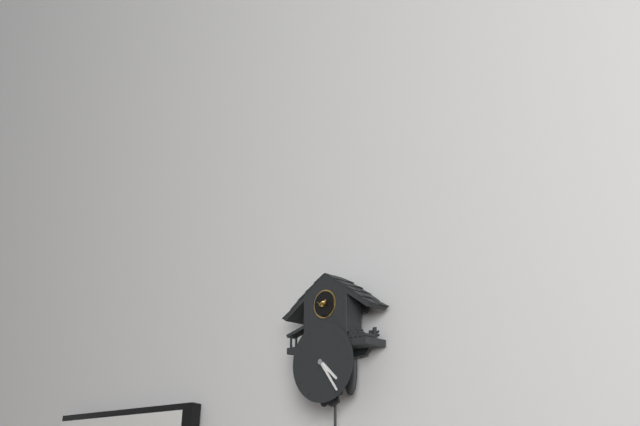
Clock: 4,24
